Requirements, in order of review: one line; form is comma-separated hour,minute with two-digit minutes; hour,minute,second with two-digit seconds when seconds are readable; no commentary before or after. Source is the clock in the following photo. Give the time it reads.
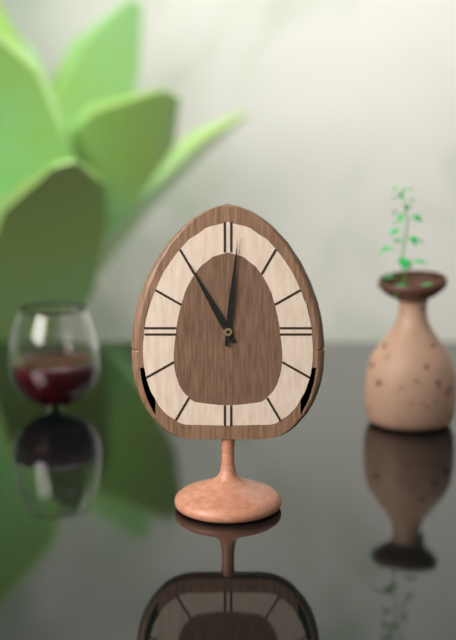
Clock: 11,01
